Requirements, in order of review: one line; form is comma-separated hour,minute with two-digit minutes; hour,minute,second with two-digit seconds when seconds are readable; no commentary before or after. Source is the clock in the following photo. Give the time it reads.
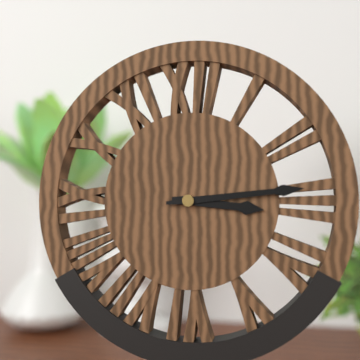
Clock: 3,14
